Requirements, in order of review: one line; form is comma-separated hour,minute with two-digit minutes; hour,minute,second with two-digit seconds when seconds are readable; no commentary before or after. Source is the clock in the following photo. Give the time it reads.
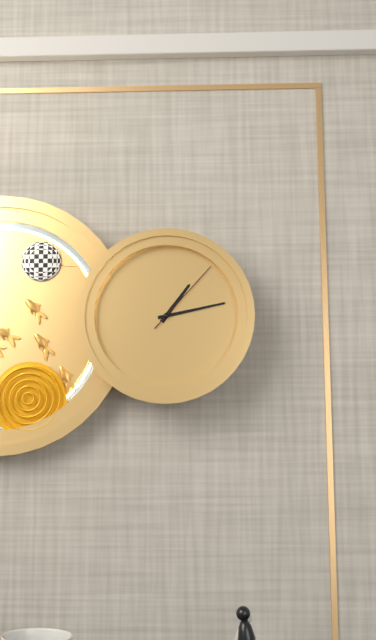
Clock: 1,13,07
